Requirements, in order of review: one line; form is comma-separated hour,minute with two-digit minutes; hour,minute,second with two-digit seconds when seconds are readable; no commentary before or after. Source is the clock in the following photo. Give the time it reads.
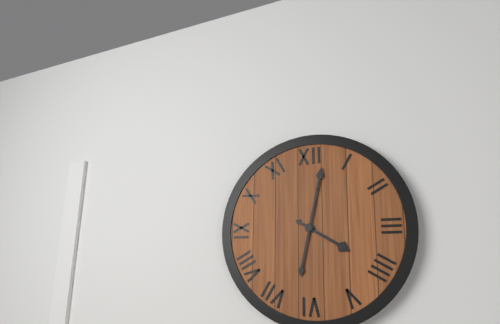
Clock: 4,02
